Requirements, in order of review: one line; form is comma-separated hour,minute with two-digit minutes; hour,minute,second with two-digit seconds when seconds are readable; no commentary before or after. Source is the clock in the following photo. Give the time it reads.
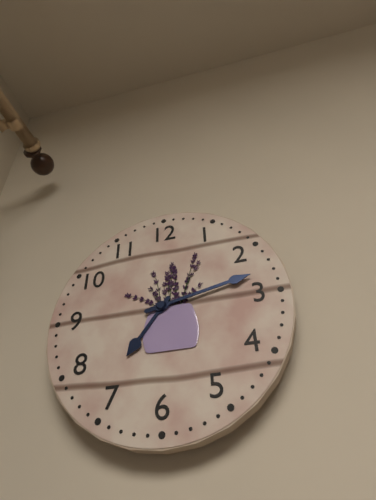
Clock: 7,13
